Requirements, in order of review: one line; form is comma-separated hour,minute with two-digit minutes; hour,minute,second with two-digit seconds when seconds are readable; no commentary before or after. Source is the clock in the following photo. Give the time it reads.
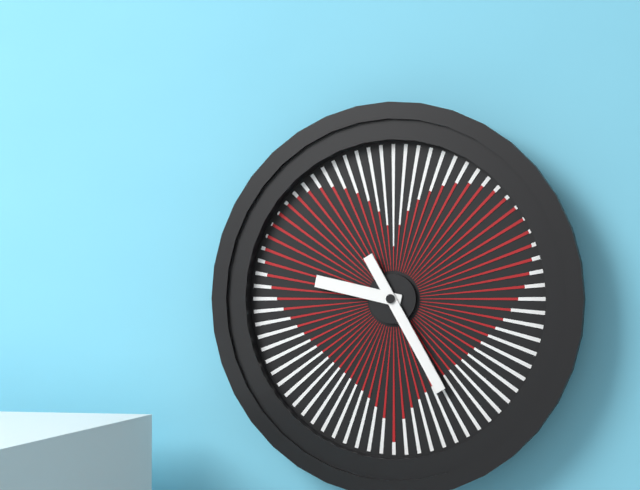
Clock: 9,25
